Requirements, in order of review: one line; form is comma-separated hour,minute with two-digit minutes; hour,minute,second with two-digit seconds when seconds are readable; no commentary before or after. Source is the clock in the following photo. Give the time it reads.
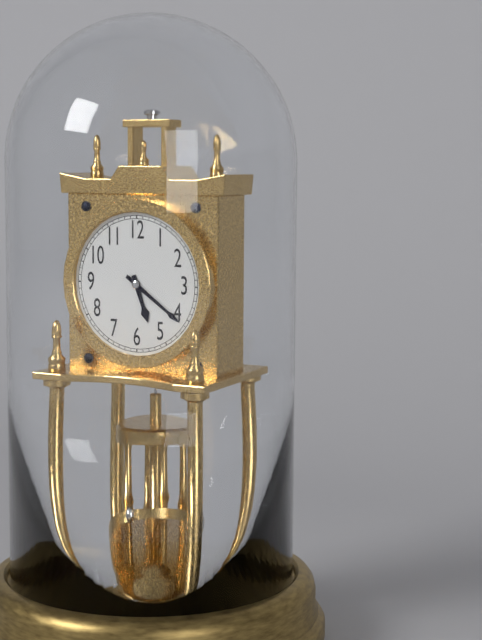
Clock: 5,21
